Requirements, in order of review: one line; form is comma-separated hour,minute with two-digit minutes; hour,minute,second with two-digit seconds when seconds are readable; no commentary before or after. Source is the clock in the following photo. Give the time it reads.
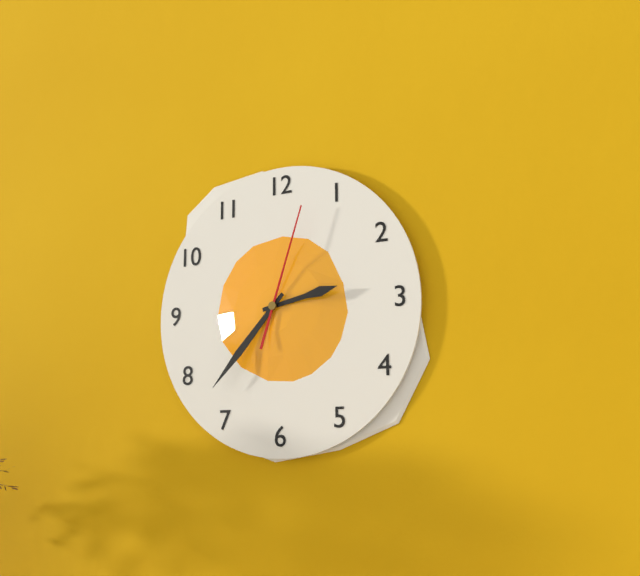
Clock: 2,37,03
